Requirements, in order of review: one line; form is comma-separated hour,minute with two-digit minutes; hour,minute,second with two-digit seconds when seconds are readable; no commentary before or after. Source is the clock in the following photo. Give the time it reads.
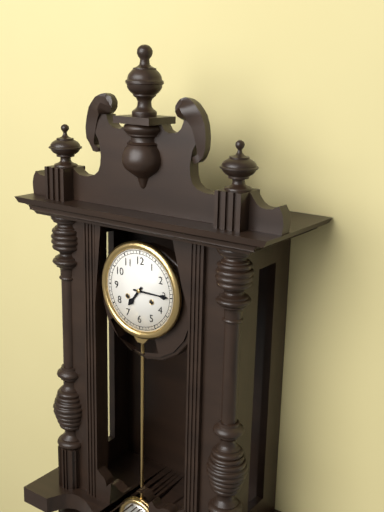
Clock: 7,15
